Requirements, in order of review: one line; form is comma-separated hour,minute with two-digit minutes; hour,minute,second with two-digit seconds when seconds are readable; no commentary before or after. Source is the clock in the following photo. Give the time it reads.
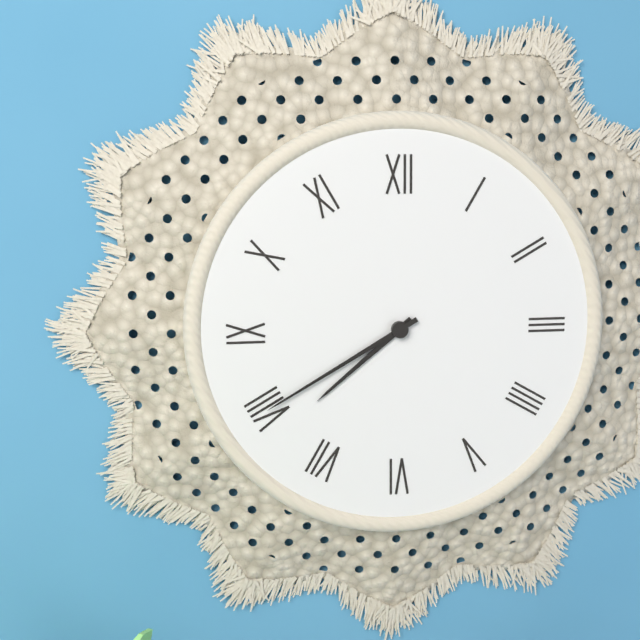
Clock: 7,40
